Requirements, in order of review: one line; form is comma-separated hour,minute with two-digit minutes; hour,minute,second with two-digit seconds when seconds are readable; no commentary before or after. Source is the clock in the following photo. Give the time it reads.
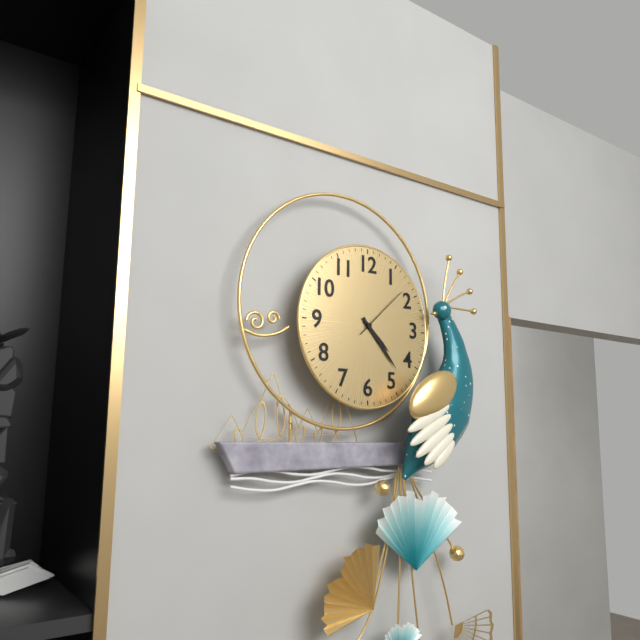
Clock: 4,23,08
